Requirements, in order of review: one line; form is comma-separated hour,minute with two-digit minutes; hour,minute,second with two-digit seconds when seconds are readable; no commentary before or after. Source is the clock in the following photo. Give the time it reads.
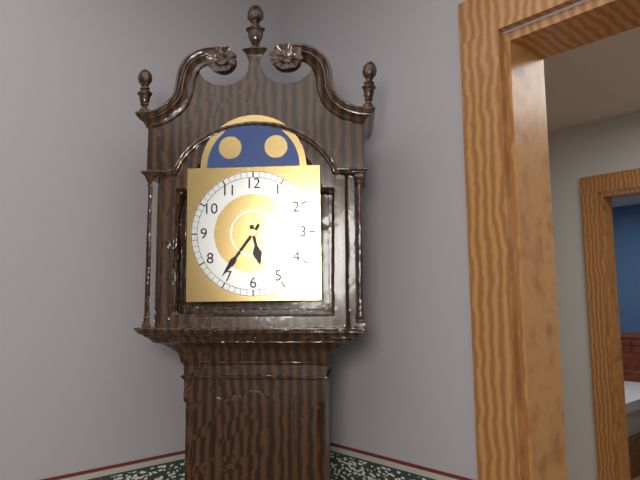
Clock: 5,36
